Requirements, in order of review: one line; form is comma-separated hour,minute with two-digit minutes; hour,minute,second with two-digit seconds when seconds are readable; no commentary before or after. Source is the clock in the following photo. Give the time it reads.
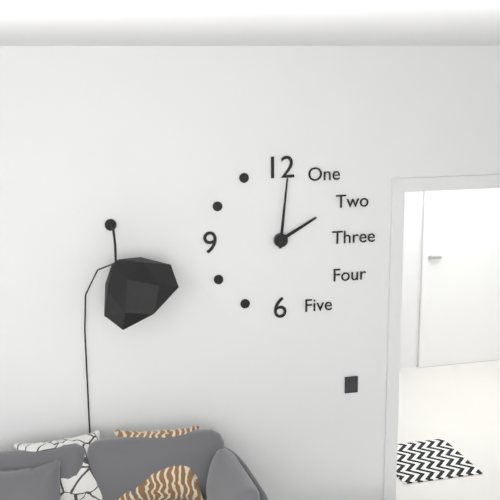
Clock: 2,01
